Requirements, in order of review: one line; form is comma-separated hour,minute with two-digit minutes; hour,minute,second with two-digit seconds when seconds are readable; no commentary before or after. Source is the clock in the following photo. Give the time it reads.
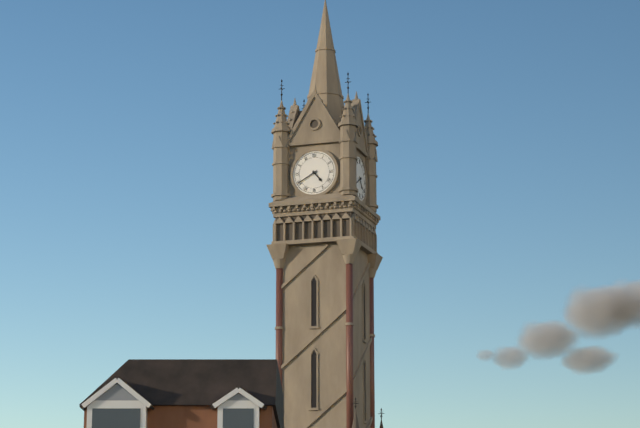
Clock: 4,40
